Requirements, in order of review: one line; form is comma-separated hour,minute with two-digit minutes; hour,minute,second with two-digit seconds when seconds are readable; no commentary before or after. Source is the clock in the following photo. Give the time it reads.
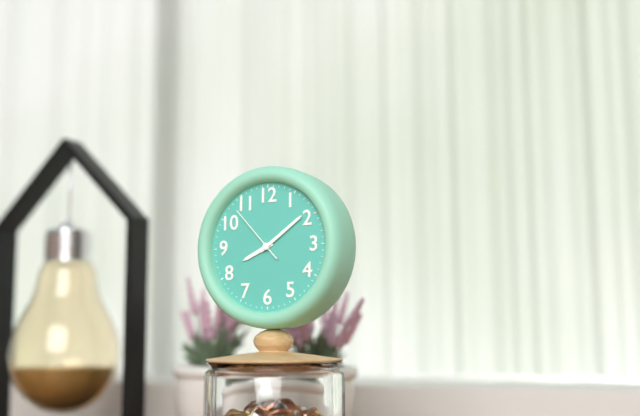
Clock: 8,09,53
